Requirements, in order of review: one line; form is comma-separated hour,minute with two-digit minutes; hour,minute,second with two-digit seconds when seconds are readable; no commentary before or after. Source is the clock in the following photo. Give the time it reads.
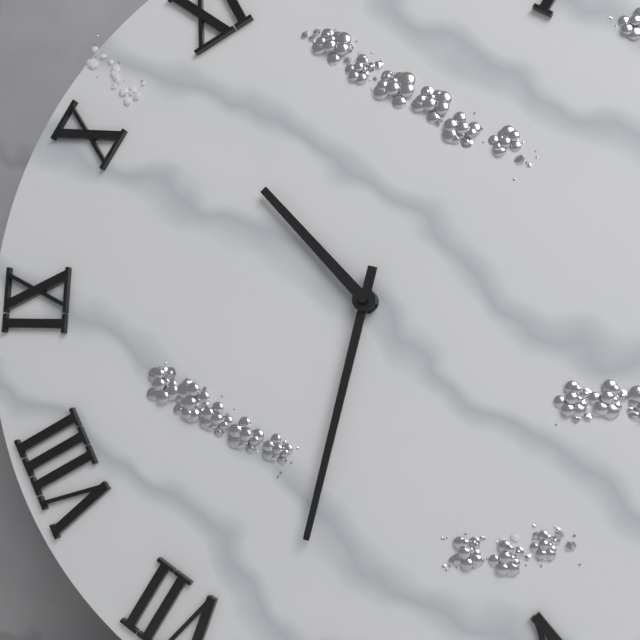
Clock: 10,32
